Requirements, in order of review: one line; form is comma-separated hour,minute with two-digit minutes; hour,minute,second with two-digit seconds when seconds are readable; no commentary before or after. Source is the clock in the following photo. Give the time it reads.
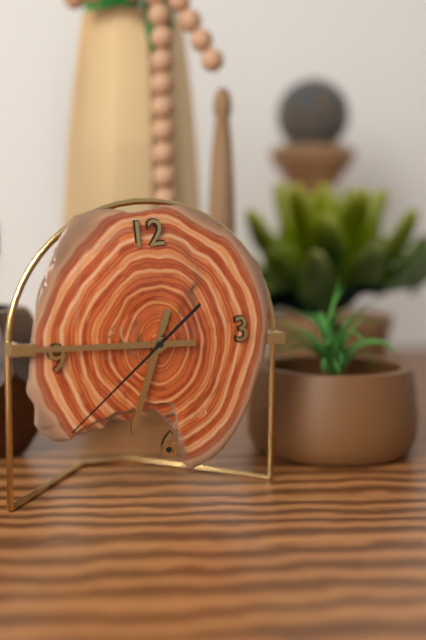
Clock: 6,46,39
